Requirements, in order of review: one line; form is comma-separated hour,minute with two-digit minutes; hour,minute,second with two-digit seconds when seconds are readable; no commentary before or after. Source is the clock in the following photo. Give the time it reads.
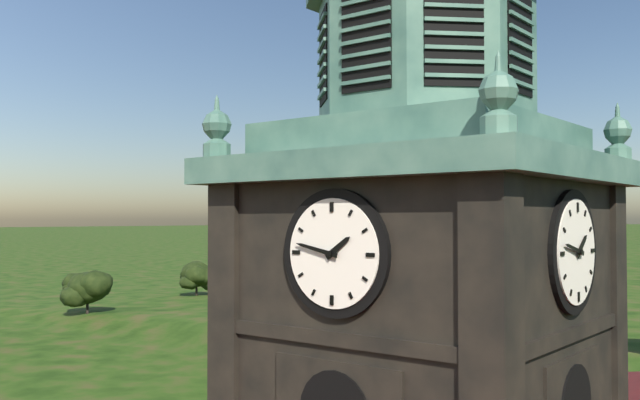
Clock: 1,47
